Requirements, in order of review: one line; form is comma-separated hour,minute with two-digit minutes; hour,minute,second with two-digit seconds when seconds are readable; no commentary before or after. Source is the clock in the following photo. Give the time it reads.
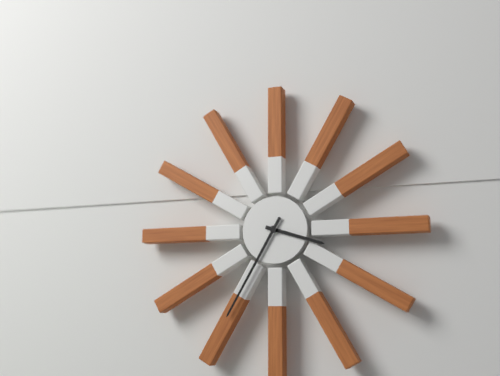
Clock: 3,35
